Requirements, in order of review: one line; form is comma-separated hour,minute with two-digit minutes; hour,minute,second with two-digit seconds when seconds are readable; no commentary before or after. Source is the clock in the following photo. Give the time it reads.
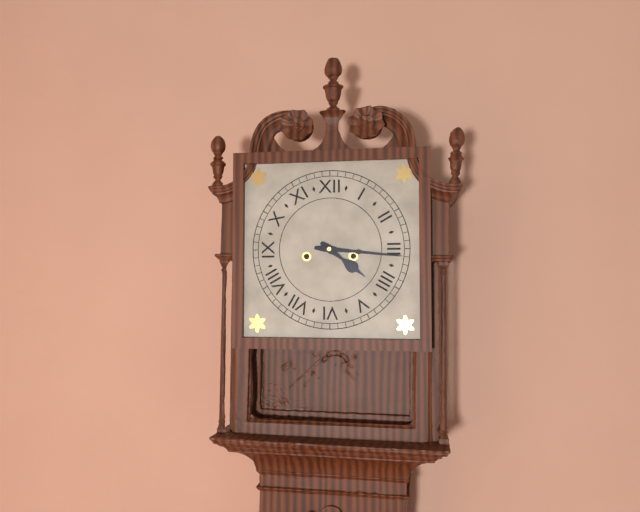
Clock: 4,16
